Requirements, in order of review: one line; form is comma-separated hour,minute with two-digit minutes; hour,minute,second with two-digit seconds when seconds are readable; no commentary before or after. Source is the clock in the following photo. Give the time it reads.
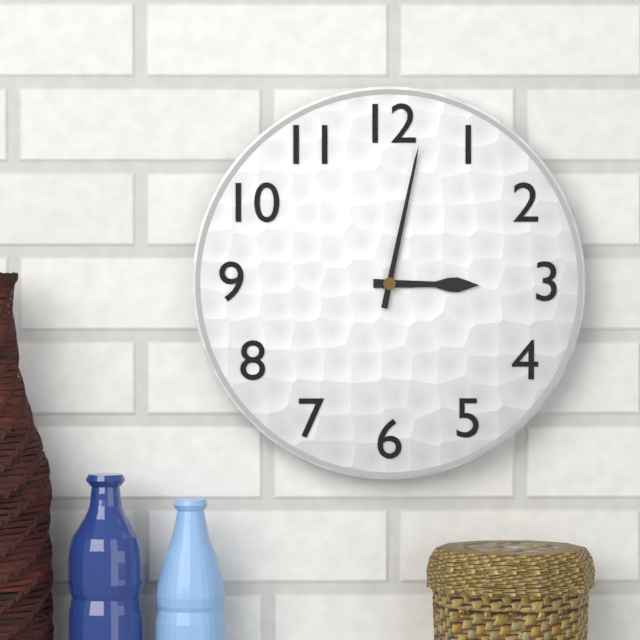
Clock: 3,02
